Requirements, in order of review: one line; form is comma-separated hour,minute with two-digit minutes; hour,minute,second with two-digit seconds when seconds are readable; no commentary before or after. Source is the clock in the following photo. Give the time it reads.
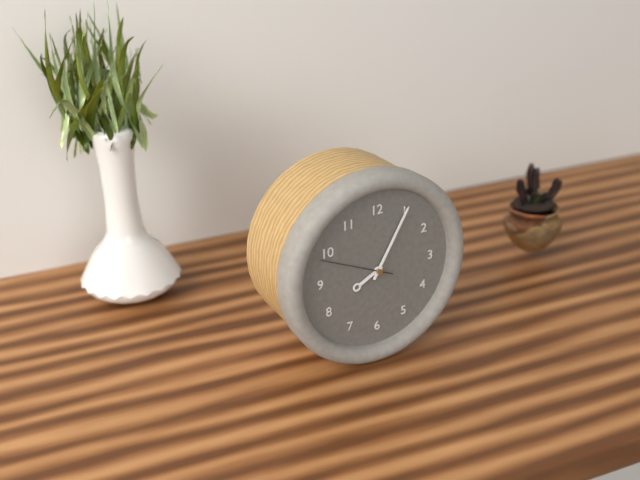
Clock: 8,05,49
